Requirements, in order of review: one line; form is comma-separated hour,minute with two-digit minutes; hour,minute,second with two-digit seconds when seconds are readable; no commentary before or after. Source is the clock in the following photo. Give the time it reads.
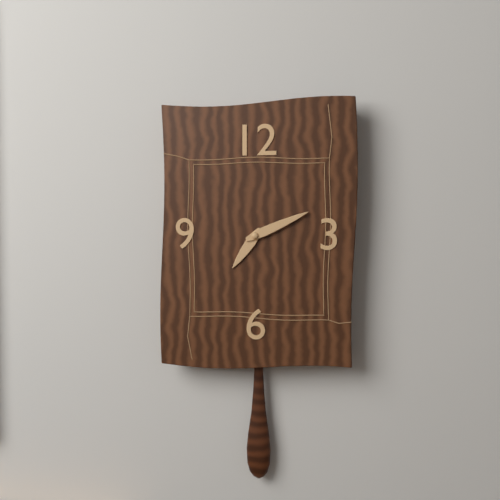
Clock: 7,11
